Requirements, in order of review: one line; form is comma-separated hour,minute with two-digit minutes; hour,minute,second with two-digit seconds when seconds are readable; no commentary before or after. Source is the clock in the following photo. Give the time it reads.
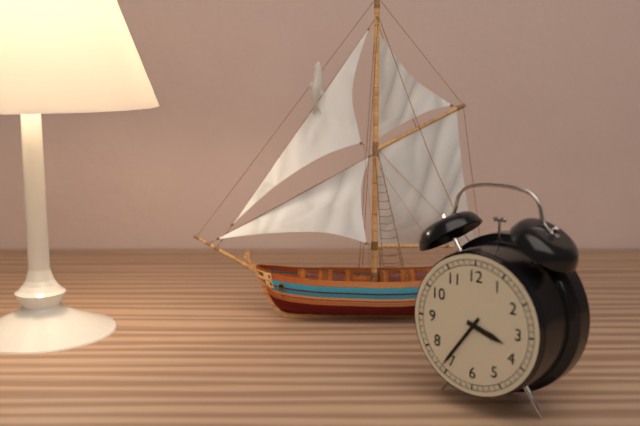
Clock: 3,36
